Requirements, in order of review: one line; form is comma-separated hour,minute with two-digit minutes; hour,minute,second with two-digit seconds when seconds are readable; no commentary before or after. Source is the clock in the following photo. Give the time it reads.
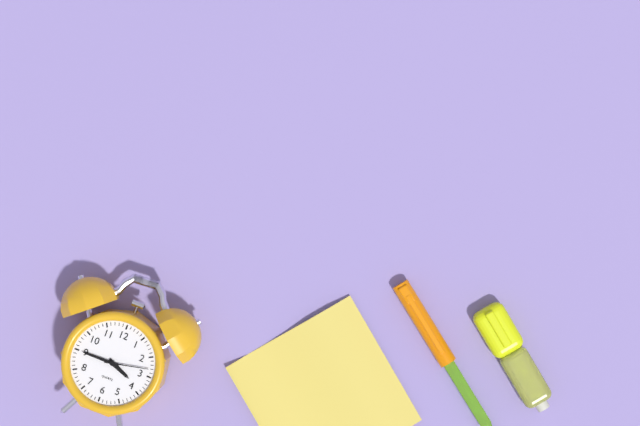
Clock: 3,45
